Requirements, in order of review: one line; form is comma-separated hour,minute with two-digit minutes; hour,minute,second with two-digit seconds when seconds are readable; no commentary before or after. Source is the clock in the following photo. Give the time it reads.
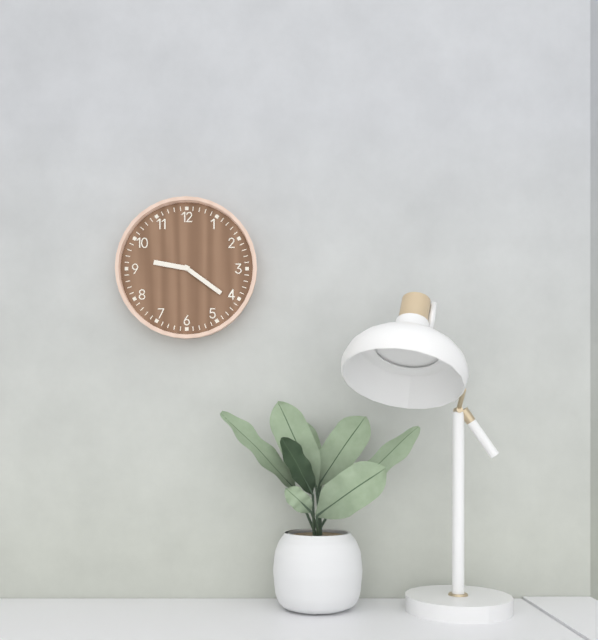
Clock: 9,21
